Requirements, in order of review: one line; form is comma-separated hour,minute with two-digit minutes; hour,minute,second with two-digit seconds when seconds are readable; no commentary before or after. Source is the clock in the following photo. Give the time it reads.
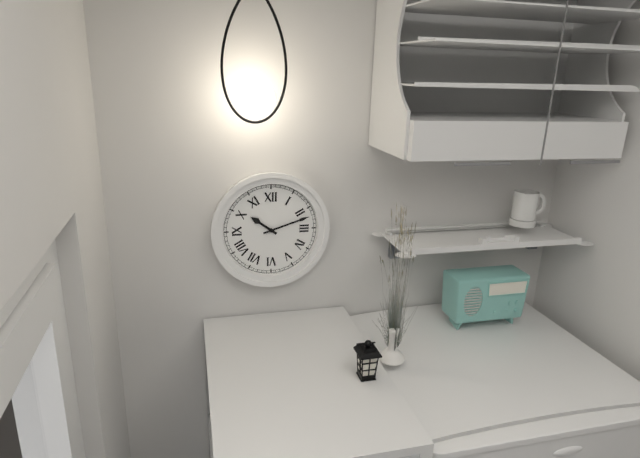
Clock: 10,12
